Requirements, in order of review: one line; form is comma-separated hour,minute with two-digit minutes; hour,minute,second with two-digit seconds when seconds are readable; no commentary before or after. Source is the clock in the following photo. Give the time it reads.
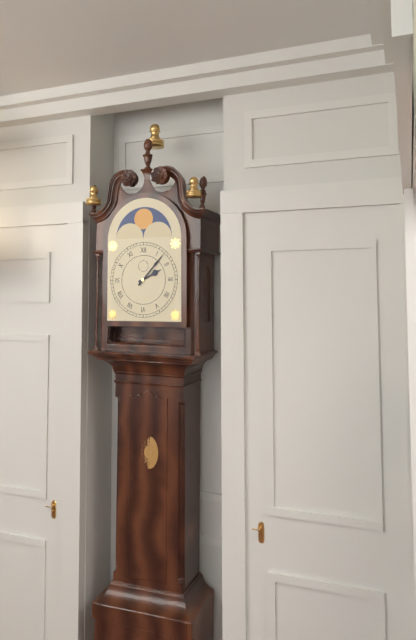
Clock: 2,07
